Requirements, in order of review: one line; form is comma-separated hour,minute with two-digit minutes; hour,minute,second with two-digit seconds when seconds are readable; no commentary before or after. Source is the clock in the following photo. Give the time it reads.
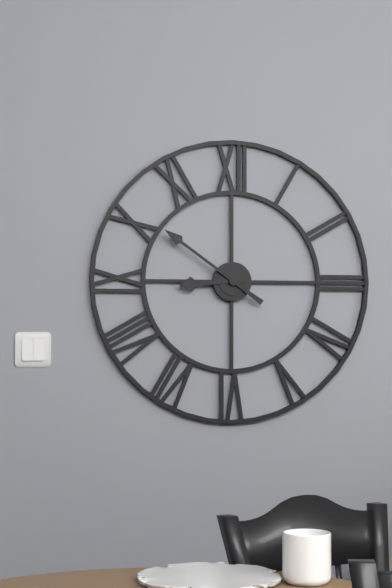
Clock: 8,51
